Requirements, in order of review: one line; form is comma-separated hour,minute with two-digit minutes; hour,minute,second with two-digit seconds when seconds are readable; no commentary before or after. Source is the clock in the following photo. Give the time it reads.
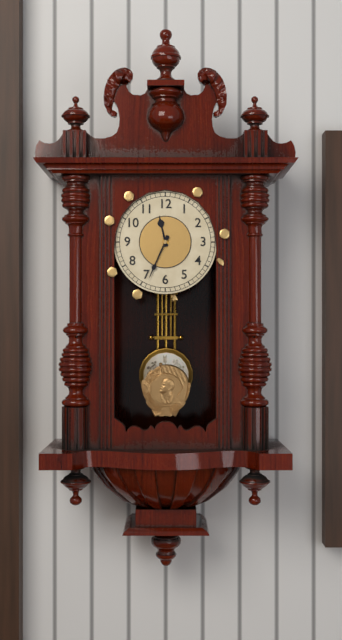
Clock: 11,34
